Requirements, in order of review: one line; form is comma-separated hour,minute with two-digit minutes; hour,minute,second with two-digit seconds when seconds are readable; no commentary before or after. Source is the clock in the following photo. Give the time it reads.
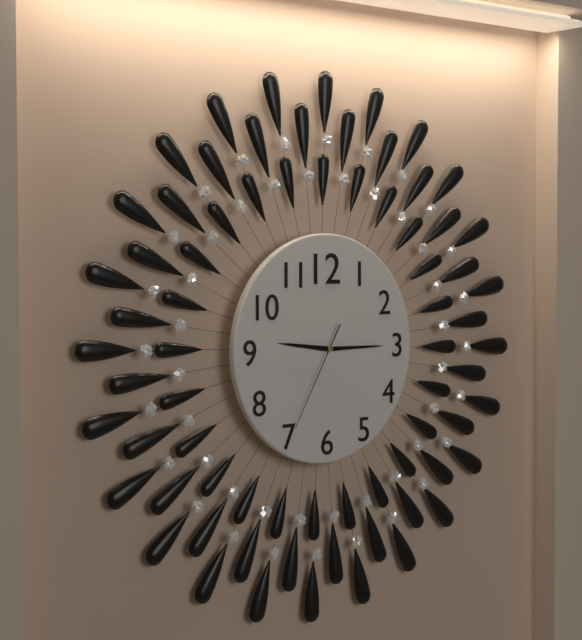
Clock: 9,15,35
